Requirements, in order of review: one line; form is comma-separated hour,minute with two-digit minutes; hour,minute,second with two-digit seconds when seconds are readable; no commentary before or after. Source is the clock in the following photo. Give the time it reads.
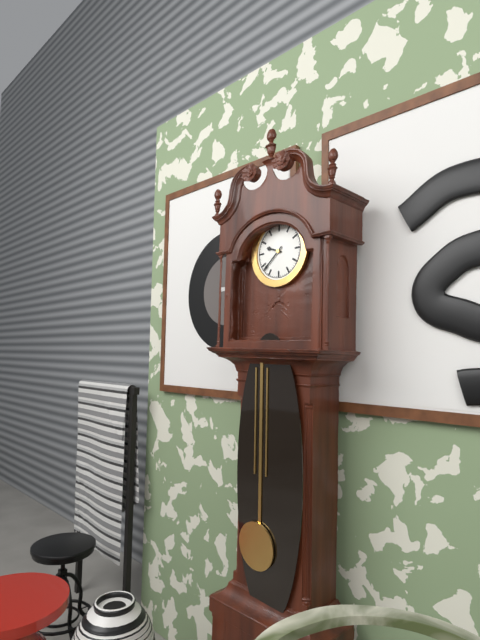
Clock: 9,38
